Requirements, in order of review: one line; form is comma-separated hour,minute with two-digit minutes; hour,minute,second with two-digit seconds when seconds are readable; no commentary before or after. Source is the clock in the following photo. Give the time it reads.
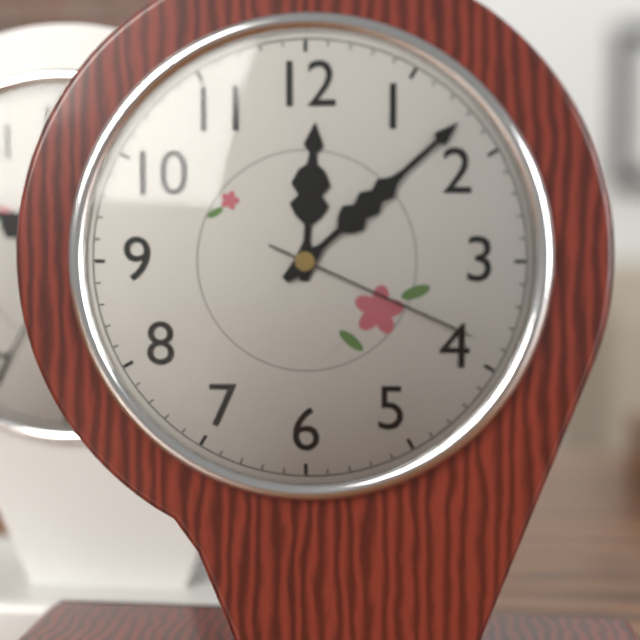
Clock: 12,08,19
